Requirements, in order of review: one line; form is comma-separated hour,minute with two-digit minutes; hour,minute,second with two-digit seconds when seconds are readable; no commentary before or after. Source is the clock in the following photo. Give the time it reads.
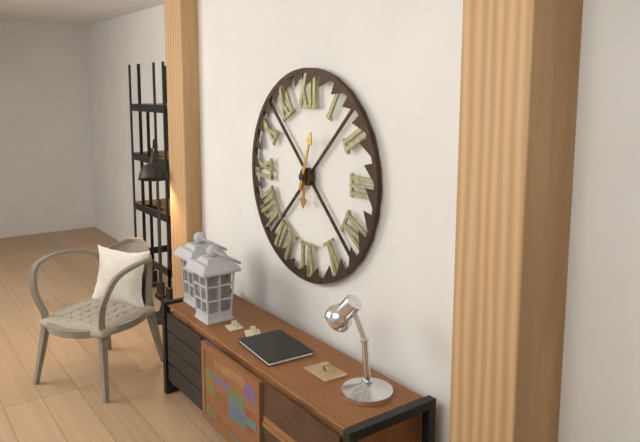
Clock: 6,03
